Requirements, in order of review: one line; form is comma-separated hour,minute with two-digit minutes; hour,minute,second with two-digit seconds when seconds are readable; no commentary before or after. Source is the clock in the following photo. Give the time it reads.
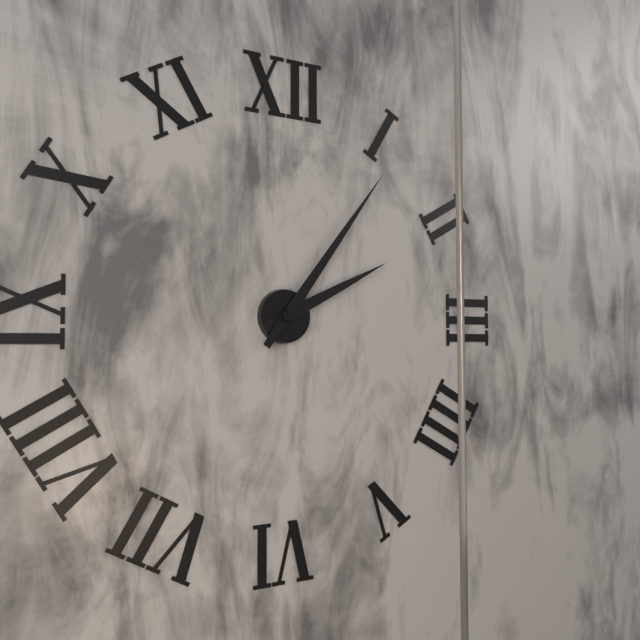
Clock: 2,06
